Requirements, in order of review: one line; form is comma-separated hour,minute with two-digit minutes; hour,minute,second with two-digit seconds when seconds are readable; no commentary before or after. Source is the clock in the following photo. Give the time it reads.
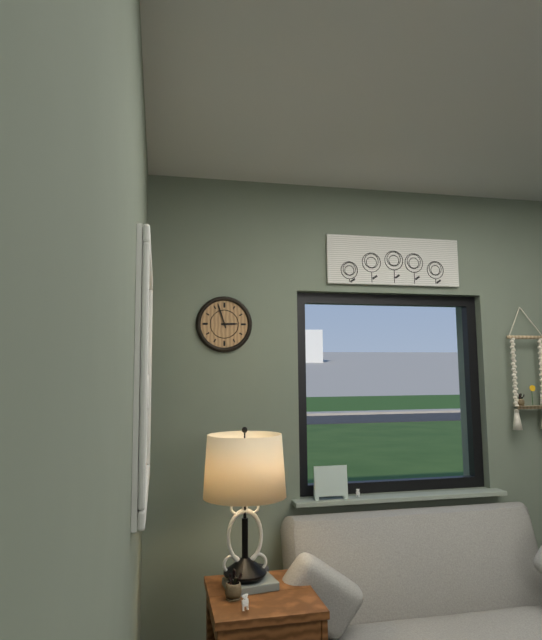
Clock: 2,57
